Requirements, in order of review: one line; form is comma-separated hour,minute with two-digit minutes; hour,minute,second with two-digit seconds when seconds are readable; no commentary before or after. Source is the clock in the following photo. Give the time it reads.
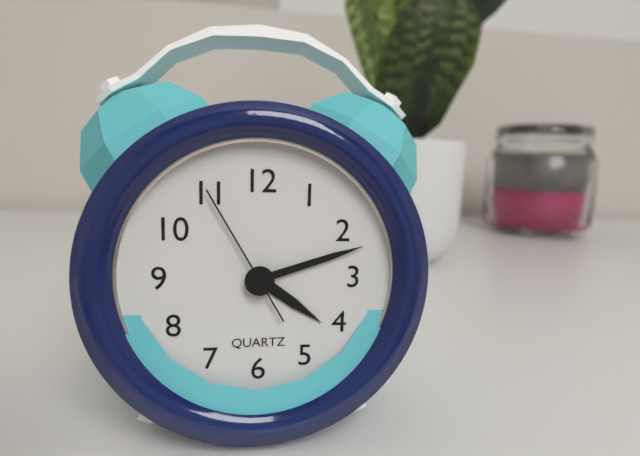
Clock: 4,12,55
